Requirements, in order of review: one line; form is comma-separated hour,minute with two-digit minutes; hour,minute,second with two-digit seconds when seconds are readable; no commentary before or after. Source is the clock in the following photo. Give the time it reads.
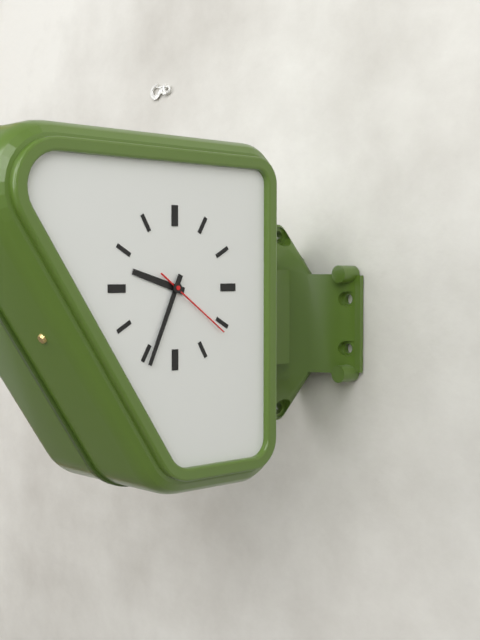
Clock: 9,34,21
